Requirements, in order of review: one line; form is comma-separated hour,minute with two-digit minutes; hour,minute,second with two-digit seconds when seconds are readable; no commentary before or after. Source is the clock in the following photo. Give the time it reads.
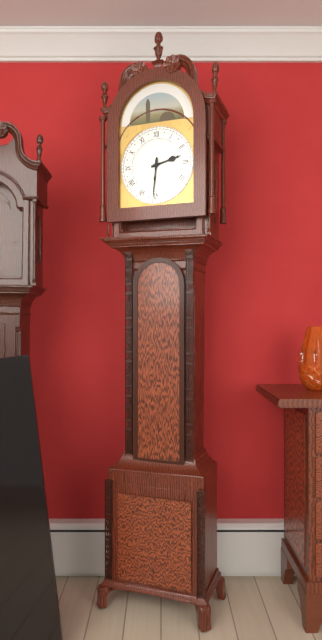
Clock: 2,31
